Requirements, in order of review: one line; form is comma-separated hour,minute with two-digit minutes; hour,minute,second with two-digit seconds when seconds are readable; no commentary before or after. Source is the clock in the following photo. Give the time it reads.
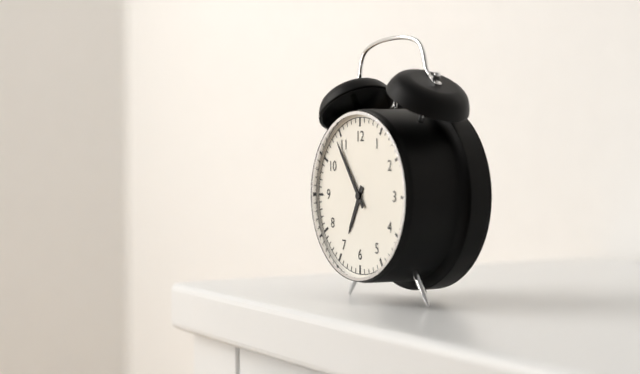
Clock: 6,54
